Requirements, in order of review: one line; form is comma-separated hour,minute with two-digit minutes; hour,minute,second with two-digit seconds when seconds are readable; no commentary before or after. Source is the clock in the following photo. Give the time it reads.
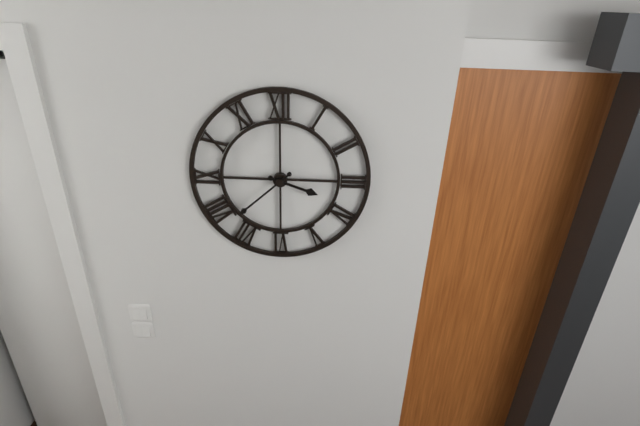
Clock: 3,38
